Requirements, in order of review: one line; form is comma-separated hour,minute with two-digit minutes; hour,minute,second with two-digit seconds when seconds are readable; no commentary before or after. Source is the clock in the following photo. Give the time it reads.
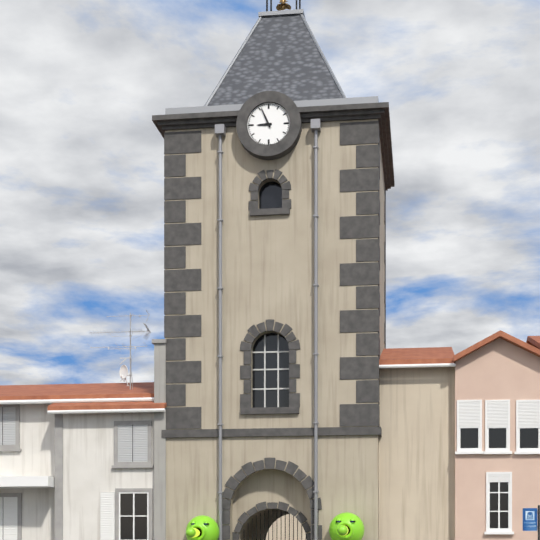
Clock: 8,56
